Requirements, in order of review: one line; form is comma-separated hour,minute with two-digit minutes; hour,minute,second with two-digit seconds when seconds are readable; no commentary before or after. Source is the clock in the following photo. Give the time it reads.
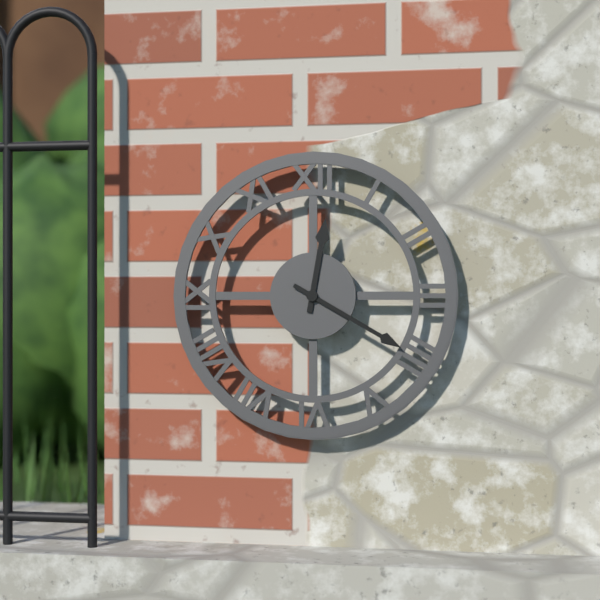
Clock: 12,20
